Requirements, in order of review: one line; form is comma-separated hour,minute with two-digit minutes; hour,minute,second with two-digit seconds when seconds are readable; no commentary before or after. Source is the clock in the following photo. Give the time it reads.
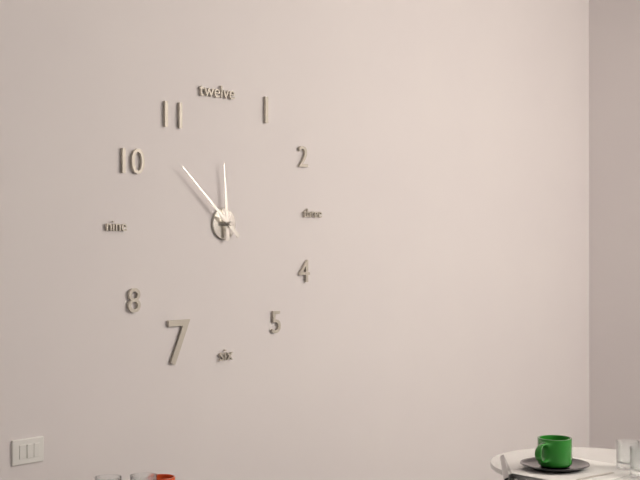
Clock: 11,52
